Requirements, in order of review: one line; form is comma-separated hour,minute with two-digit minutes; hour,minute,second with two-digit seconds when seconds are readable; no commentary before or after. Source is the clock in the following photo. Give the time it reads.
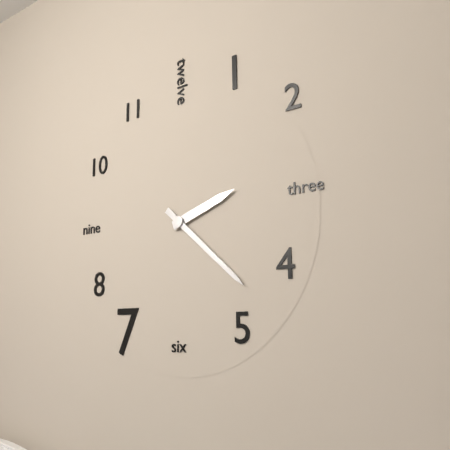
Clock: 2,22
